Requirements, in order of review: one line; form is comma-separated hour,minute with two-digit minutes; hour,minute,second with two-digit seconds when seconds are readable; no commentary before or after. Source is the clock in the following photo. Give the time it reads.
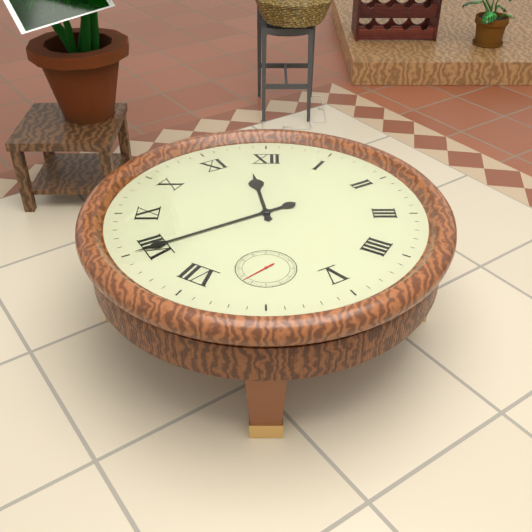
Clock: 11,40
